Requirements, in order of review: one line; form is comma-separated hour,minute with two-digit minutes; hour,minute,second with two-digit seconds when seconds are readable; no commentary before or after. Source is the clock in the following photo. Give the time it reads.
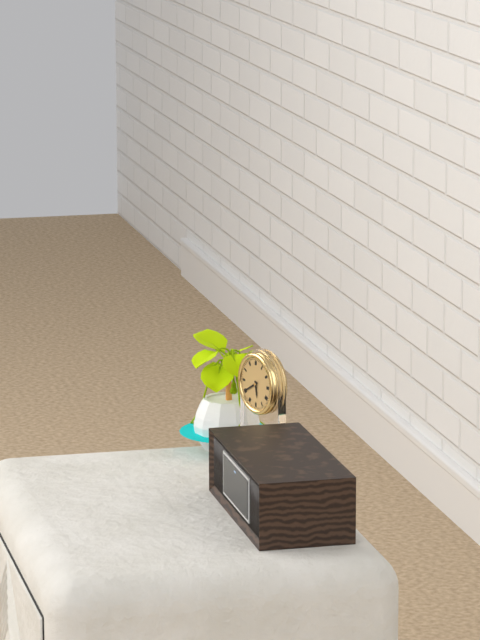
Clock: 5,40
